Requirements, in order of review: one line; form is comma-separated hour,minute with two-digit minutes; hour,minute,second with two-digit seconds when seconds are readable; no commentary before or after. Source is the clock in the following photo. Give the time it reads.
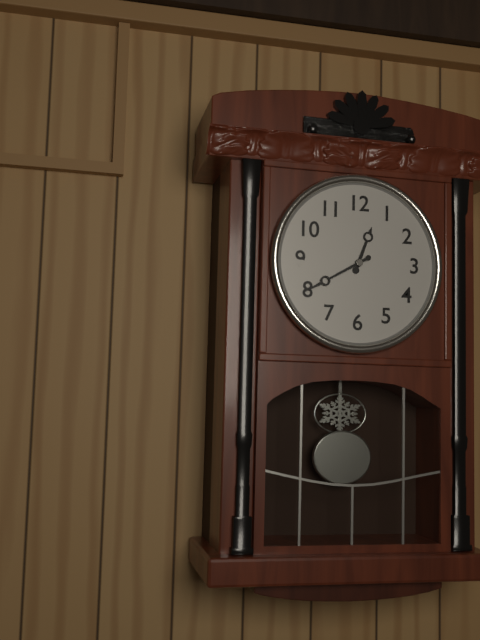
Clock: 12,40
